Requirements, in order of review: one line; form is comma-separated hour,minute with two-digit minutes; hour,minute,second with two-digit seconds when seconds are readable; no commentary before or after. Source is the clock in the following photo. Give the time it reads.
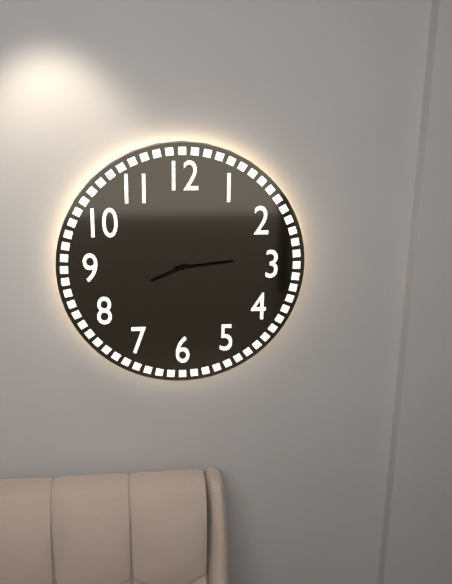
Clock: 8,14
